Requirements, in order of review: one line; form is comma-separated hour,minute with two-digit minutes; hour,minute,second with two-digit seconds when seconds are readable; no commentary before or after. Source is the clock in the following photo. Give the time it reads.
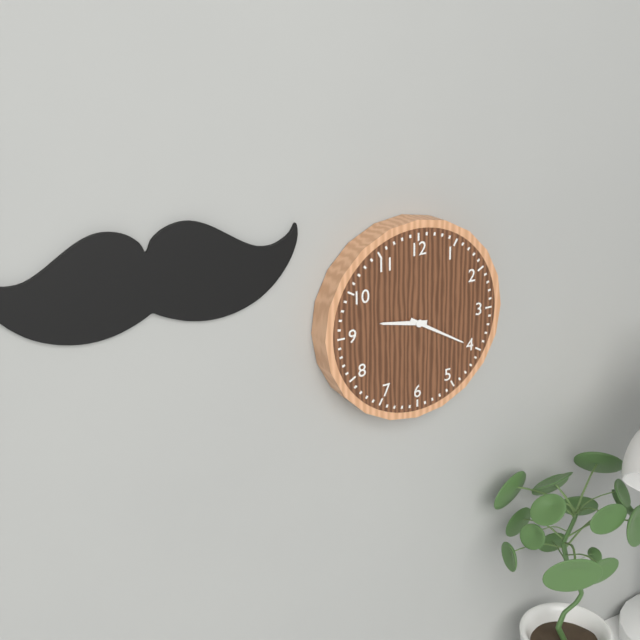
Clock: 9,20
